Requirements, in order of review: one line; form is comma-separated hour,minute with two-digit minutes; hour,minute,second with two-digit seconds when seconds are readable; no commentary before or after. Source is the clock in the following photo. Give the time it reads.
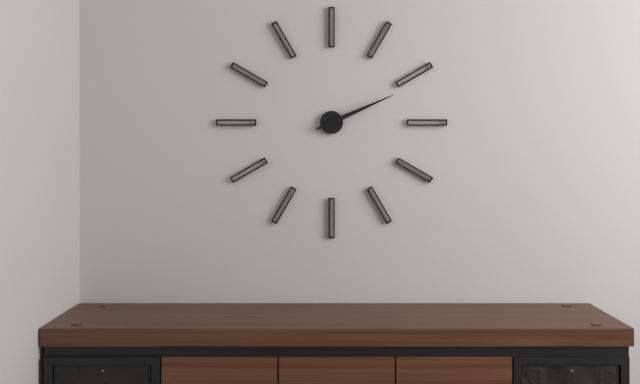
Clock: 2,11
